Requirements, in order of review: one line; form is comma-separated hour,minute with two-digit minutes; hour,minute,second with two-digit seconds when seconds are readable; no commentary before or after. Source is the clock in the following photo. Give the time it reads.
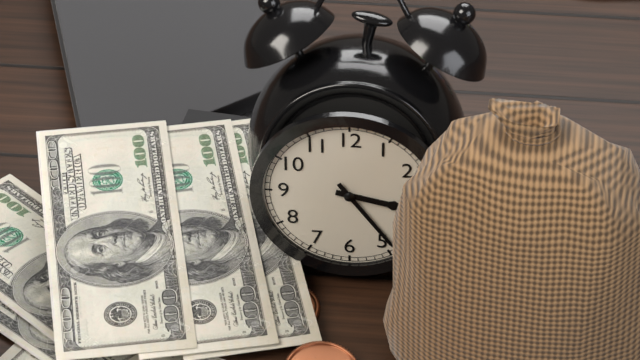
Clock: 3,24
